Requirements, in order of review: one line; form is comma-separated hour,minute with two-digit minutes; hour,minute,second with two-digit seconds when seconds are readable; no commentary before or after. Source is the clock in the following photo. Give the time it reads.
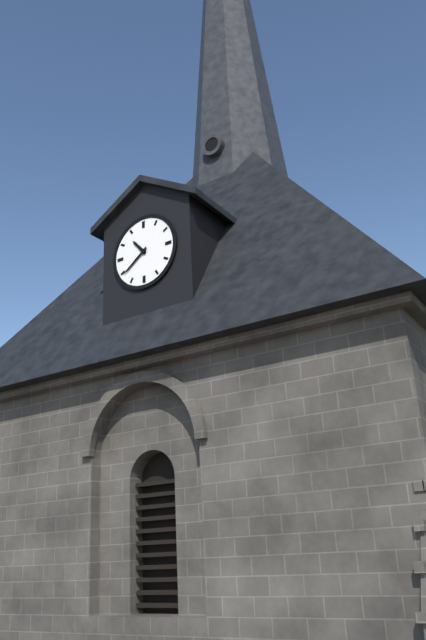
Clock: 10,39
